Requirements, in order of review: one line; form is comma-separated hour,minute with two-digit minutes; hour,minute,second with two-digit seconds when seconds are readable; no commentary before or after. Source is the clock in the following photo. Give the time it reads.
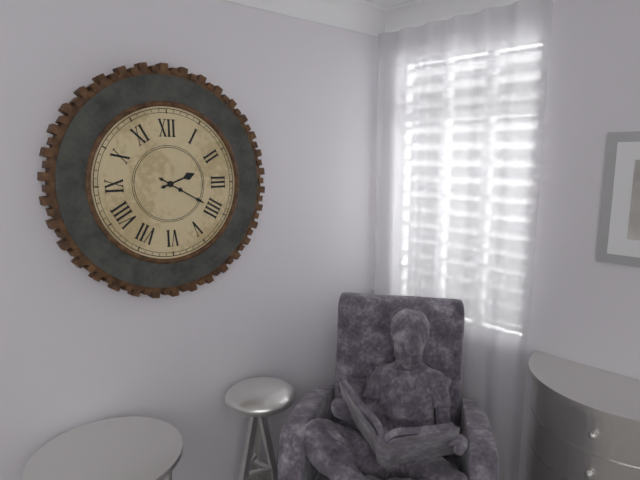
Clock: 2,20
